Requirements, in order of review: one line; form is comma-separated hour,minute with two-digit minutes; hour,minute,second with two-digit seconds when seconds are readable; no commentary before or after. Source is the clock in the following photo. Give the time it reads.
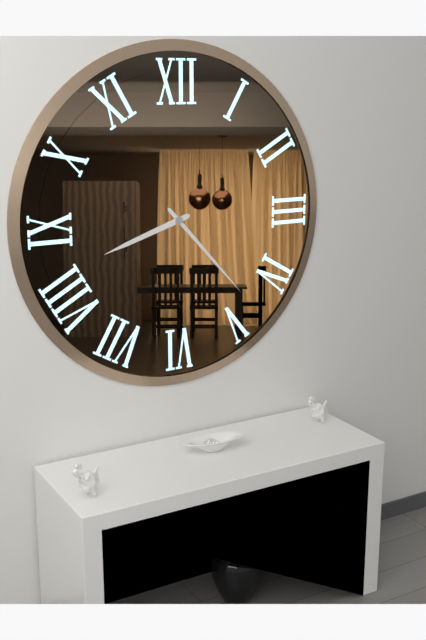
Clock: 8,23
